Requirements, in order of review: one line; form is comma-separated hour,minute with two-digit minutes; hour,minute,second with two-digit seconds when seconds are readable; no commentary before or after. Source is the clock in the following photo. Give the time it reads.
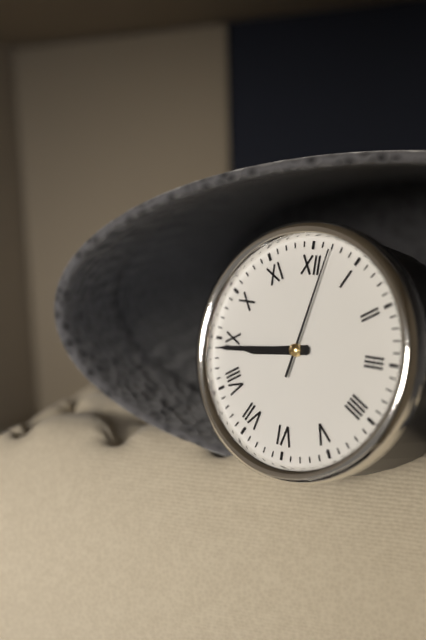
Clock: 8,44,02
